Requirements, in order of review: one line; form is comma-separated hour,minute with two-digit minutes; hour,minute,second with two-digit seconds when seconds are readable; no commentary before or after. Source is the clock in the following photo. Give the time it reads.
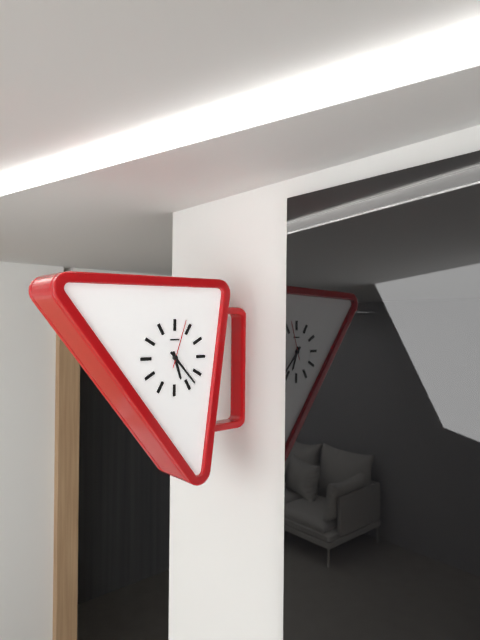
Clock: 5,23
